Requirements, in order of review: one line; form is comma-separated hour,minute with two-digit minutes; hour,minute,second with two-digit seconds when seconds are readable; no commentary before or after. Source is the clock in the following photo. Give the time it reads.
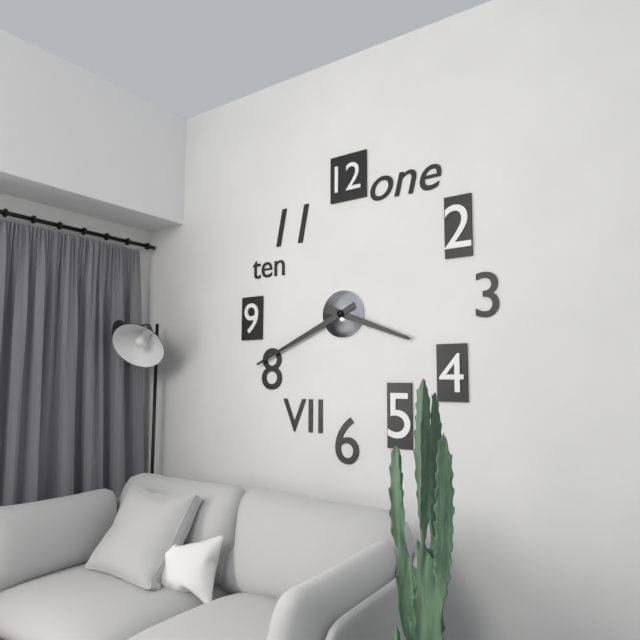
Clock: 3,41
